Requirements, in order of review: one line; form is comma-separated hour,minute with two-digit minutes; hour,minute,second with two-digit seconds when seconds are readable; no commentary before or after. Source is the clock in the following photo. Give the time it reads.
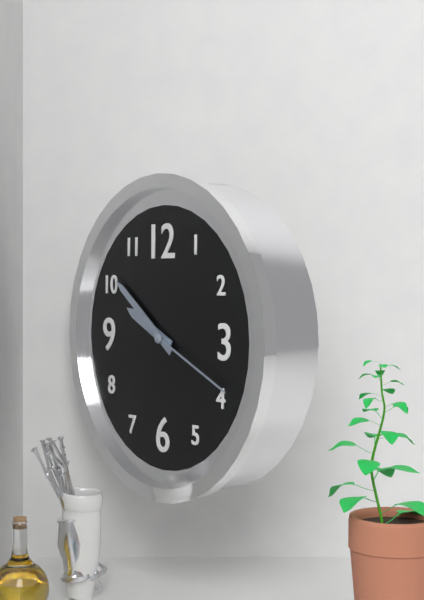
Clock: 9,51,19
